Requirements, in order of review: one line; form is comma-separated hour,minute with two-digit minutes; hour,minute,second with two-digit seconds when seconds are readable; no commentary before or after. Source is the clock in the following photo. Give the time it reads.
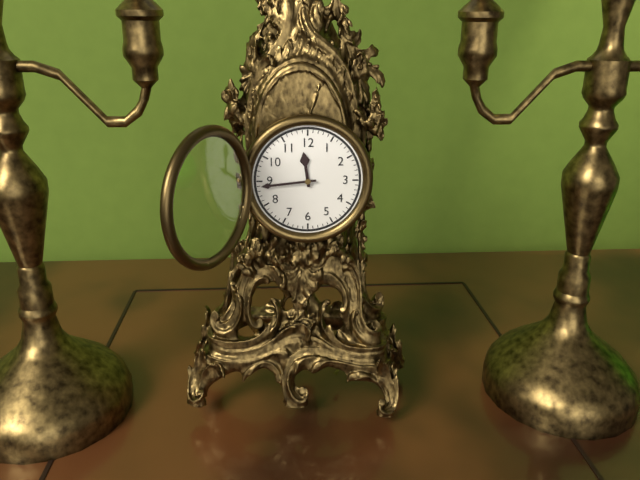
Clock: 11,44
